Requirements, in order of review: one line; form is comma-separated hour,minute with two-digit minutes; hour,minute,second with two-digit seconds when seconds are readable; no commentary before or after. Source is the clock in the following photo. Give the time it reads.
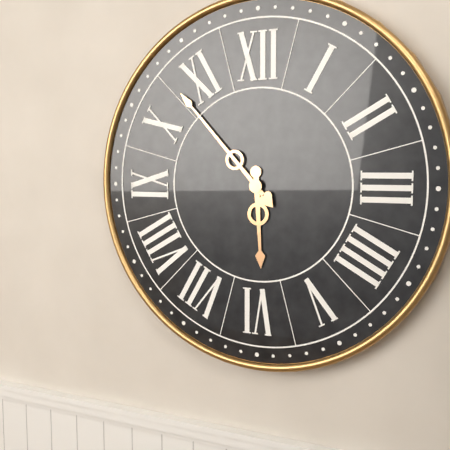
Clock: 5,53
